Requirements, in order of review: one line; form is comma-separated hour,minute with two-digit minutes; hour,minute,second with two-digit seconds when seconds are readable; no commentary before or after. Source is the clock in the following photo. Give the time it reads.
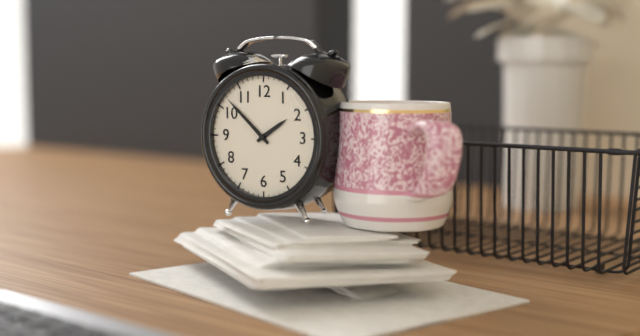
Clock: 1,52
